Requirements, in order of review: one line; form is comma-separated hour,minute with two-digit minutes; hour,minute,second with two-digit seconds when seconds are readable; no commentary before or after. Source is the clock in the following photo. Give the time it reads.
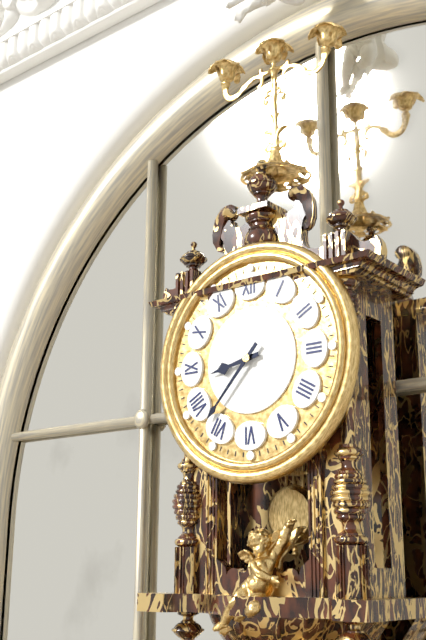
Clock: 8,37
